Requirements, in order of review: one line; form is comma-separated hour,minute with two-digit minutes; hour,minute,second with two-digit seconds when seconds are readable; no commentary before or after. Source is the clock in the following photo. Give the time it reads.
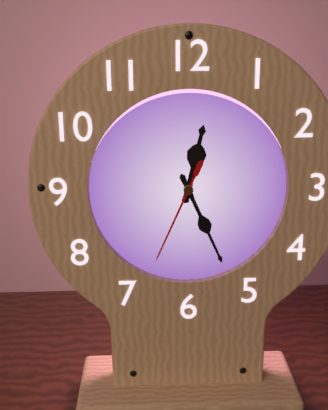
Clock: 12,26,34
